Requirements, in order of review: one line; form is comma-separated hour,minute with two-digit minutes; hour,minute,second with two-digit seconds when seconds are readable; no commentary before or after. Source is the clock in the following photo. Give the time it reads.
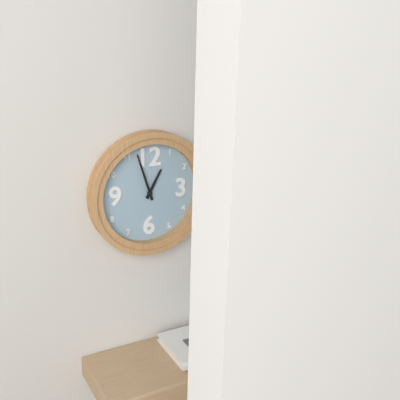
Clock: 12,57
